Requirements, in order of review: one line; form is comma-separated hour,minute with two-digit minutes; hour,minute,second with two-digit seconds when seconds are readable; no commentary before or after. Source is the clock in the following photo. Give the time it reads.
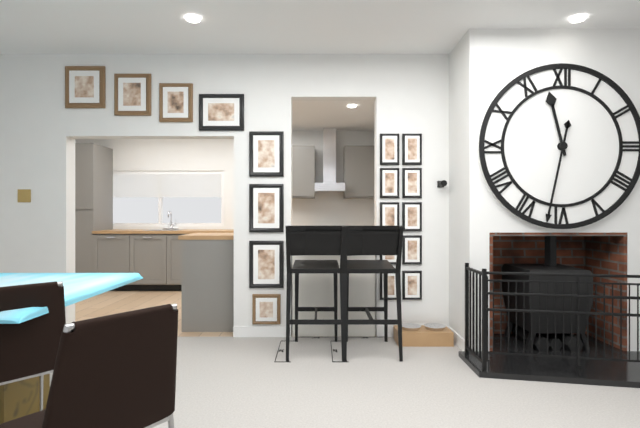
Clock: 11,32
